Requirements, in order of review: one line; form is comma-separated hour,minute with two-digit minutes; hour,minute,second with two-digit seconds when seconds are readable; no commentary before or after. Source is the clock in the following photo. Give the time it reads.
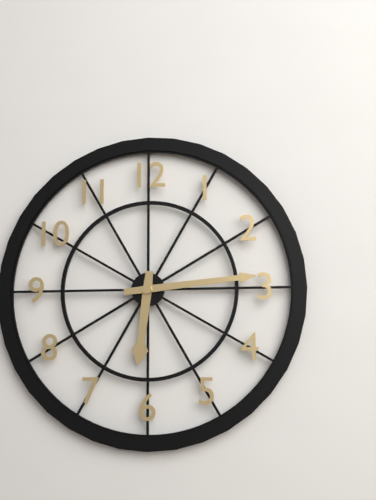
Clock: 6,14
